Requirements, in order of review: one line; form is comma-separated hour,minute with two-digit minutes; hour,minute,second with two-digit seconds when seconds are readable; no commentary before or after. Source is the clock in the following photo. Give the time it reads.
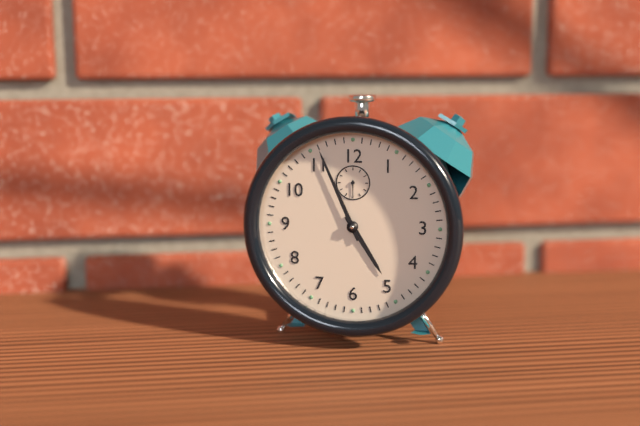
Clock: 4,56
